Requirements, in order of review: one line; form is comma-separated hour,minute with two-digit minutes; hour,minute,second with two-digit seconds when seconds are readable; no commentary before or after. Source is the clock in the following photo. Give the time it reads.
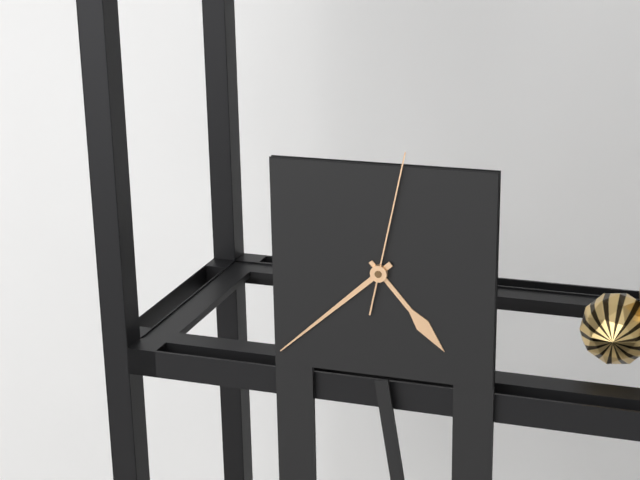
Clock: 4,38,02
